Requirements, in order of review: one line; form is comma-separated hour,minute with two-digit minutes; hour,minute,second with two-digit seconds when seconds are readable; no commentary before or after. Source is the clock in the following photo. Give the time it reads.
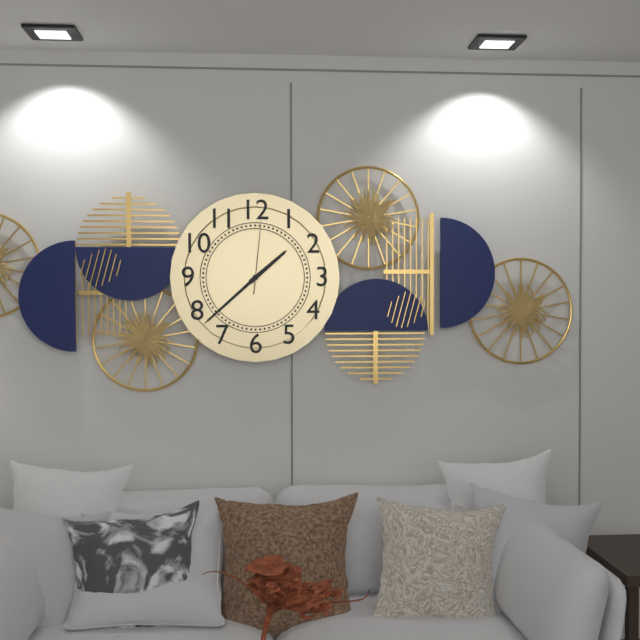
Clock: 1,38,01
